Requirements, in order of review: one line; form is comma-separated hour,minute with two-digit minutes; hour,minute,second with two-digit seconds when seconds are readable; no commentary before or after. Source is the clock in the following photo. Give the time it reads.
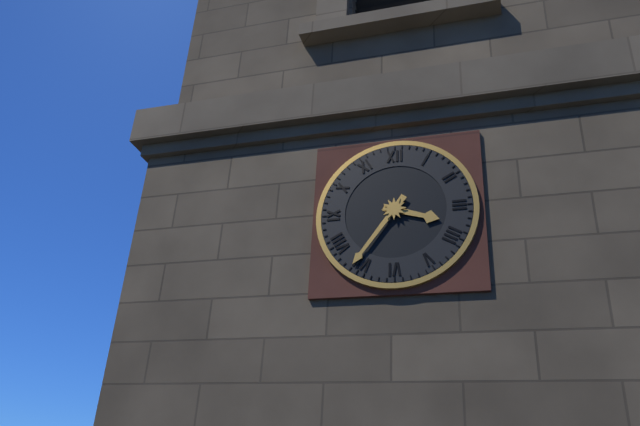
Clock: 3,36
